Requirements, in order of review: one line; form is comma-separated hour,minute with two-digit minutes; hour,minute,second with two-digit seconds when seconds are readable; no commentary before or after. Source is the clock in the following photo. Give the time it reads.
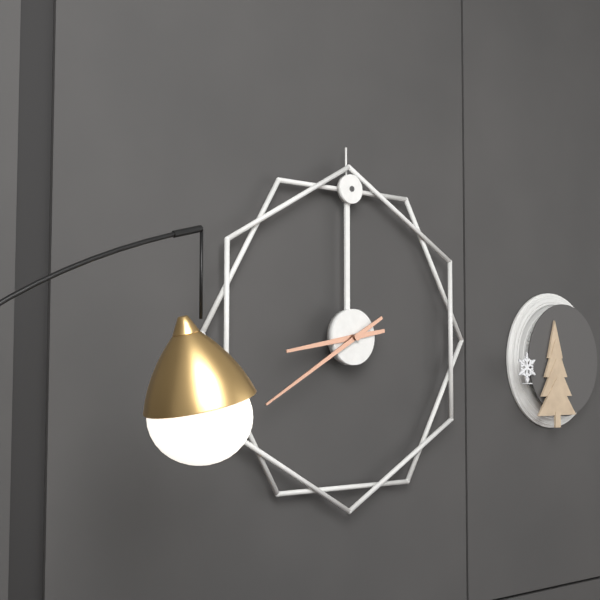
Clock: 8,40
